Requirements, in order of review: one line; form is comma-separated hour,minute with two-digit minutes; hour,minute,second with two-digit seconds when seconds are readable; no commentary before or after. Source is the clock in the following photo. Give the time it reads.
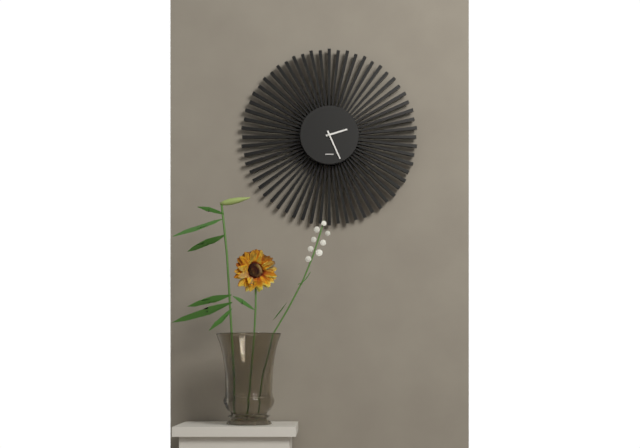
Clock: 2,26
